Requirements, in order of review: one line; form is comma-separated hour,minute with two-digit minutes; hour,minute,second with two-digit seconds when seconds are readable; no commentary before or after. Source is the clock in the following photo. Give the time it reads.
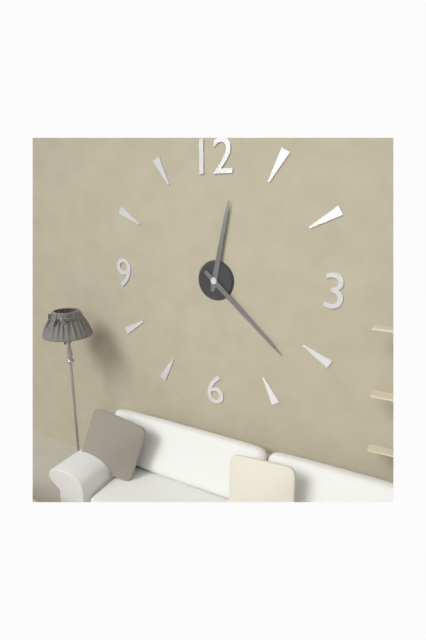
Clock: 12,22
